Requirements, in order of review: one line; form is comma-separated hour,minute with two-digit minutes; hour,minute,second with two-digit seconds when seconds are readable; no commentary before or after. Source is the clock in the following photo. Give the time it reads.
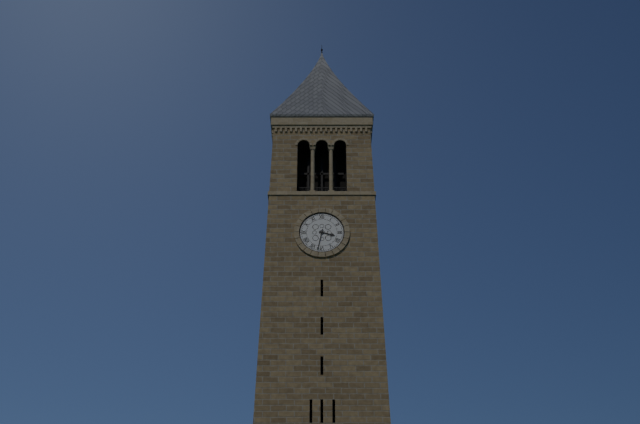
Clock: 3,32
